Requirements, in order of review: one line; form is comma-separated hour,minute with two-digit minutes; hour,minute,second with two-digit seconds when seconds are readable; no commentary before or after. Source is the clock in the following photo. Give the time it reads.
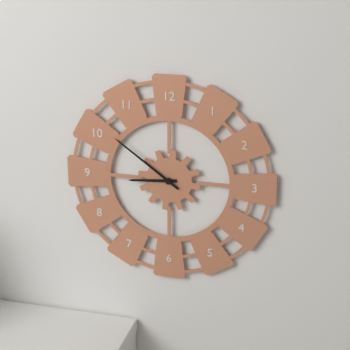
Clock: 8,51
